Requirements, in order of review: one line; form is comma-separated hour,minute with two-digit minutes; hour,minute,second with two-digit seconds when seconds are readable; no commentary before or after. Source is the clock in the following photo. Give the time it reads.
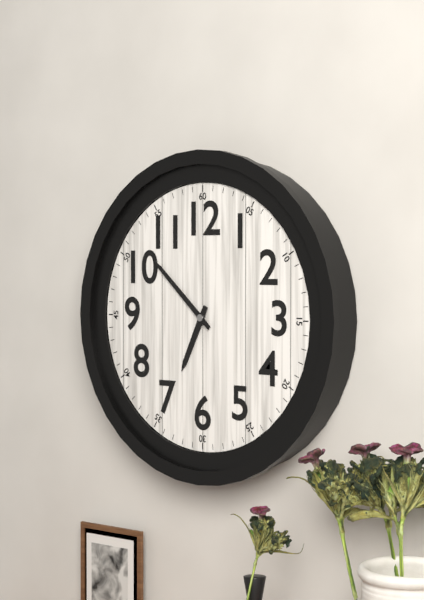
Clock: 6,52
